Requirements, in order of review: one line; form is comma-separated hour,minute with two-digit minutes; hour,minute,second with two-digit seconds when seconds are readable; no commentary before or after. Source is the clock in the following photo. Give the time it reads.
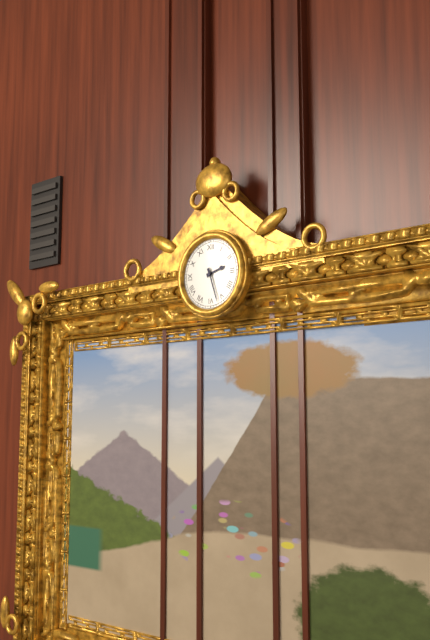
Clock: 2,27
